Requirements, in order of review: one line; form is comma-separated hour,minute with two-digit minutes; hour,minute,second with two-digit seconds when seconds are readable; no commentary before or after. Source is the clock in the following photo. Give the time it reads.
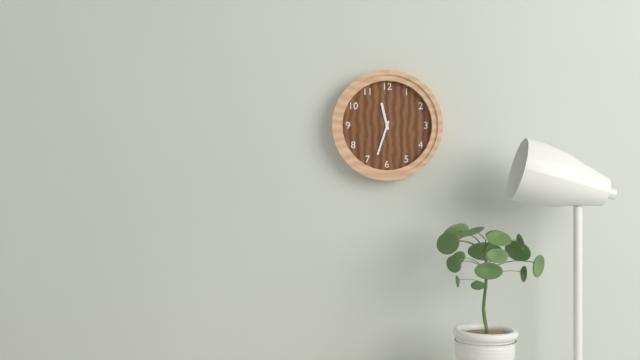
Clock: 11,33
